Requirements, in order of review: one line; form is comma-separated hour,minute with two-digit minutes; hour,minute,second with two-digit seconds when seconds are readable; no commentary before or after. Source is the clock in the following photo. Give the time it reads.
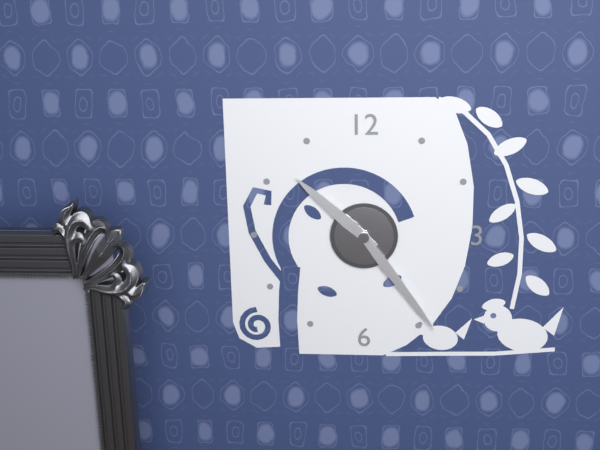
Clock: 10,24
